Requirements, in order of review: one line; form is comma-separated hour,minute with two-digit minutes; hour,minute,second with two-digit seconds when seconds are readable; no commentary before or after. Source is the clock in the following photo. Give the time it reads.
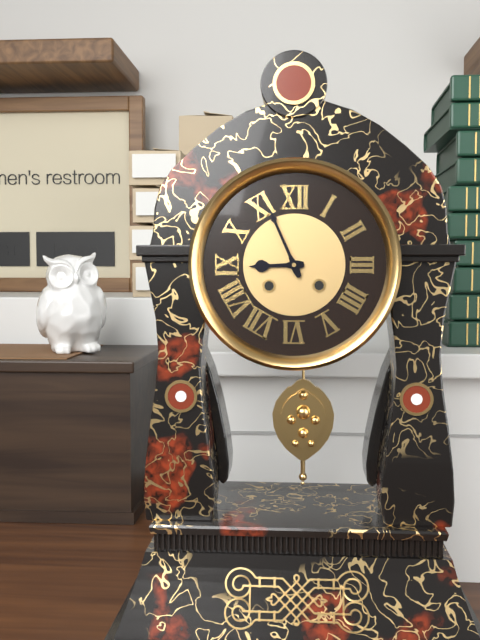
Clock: 8,56
